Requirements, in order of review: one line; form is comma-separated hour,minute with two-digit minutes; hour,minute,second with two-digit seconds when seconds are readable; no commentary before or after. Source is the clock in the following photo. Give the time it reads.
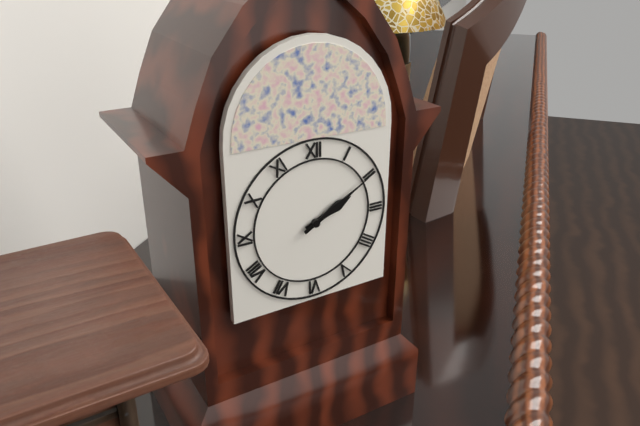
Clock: 2,10
